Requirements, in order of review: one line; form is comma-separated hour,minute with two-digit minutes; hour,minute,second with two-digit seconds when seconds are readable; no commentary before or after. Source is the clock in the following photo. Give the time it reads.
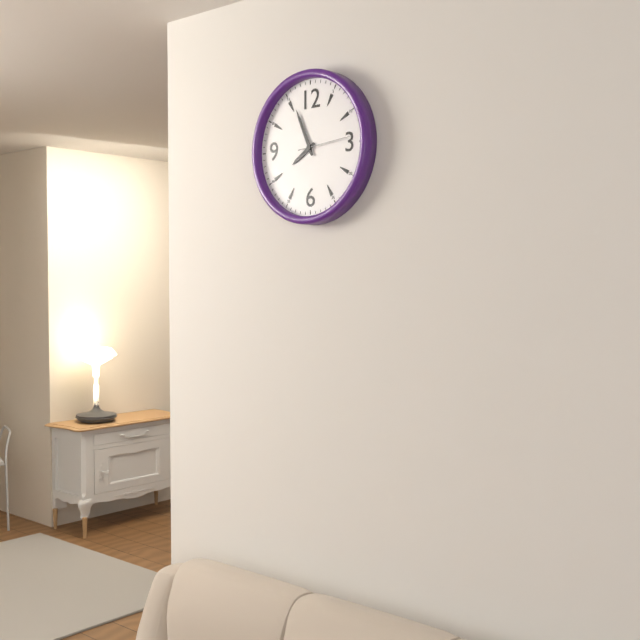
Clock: 7,56
